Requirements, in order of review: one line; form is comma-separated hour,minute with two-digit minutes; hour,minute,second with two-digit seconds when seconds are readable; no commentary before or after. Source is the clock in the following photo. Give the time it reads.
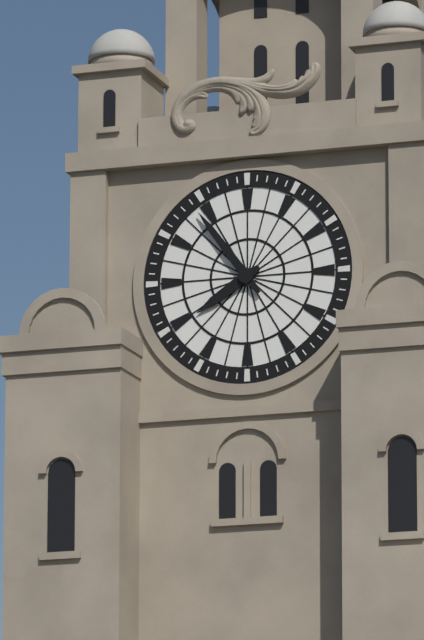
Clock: 7,54
